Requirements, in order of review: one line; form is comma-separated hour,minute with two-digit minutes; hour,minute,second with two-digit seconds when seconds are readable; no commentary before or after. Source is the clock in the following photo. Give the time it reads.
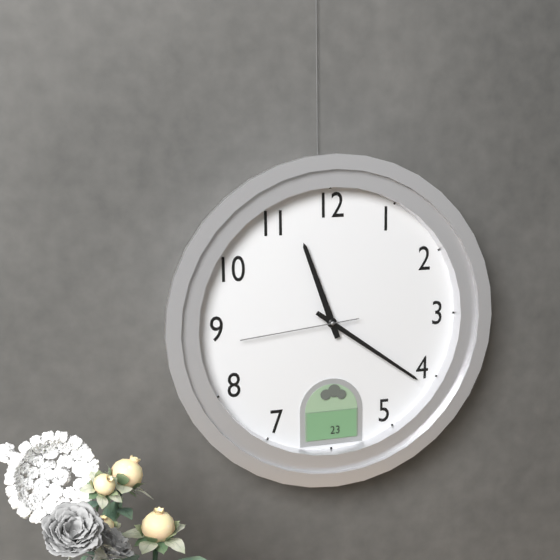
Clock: 11,21,44
